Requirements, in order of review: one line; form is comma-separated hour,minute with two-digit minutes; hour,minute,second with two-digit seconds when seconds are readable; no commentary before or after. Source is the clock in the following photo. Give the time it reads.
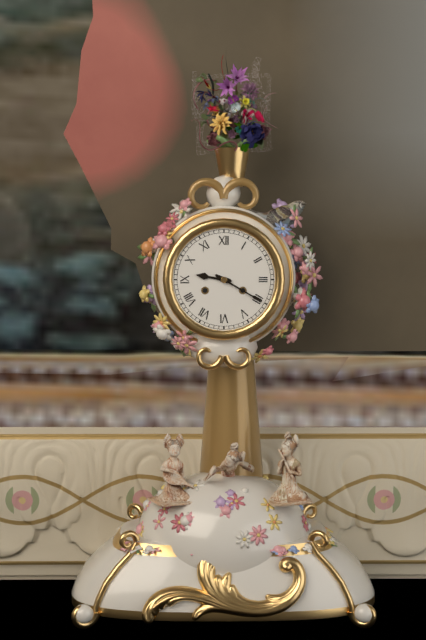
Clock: 9,20
